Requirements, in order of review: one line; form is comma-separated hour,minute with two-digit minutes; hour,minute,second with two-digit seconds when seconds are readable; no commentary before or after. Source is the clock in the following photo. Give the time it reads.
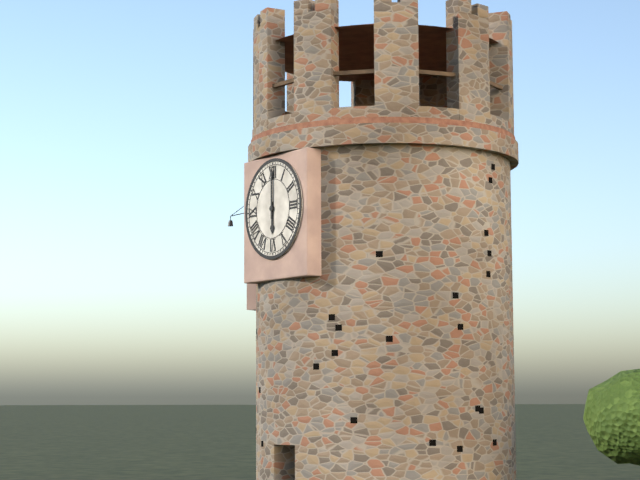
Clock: 6,00
